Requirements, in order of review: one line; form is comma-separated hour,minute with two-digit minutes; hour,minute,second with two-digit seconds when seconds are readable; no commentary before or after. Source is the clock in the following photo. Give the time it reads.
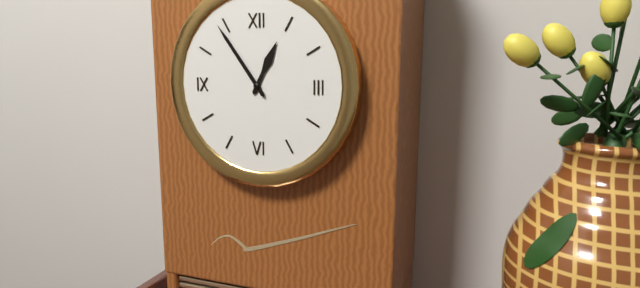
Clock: 12,54
